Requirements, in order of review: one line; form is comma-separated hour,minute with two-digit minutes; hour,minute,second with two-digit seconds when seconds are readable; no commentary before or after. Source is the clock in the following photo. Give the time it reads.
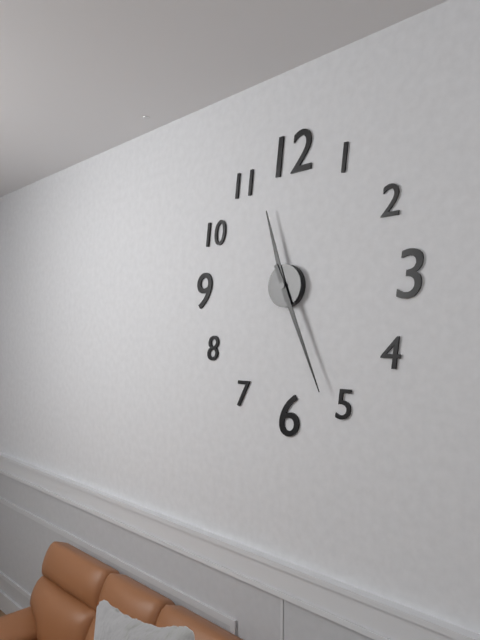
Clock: 11,26
